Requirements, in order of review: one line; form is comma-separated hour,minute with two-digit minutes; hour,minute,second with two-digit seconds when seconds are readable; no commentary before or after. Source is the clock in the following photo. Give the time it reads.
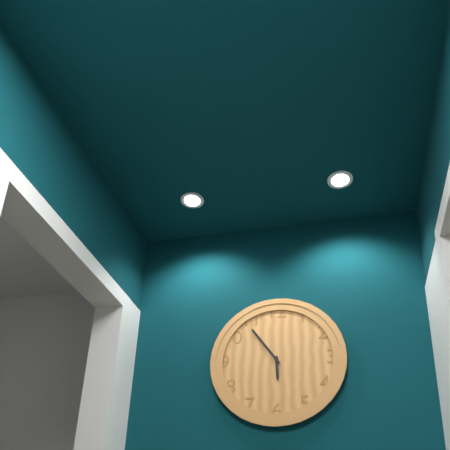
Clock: 5,54
